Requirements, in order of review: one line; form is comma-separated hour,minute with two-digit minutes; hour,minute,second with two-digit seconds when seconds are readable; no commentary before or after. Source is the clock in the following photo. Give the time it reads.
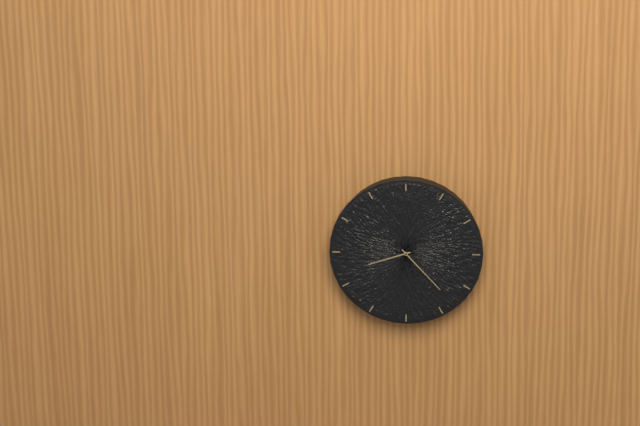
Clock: 8,23
